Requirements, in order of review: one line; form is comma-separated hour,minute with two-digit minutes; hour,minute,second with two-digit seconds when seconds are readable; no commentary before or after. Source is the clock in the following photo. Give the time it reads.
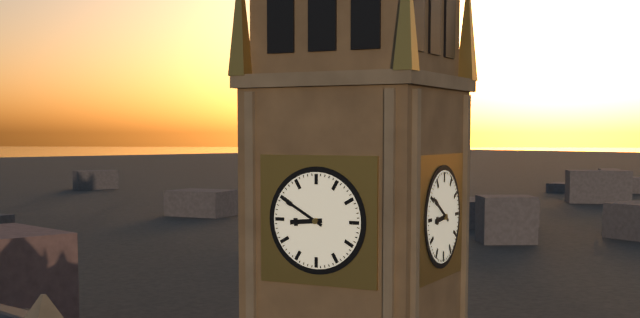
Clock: 8,50
